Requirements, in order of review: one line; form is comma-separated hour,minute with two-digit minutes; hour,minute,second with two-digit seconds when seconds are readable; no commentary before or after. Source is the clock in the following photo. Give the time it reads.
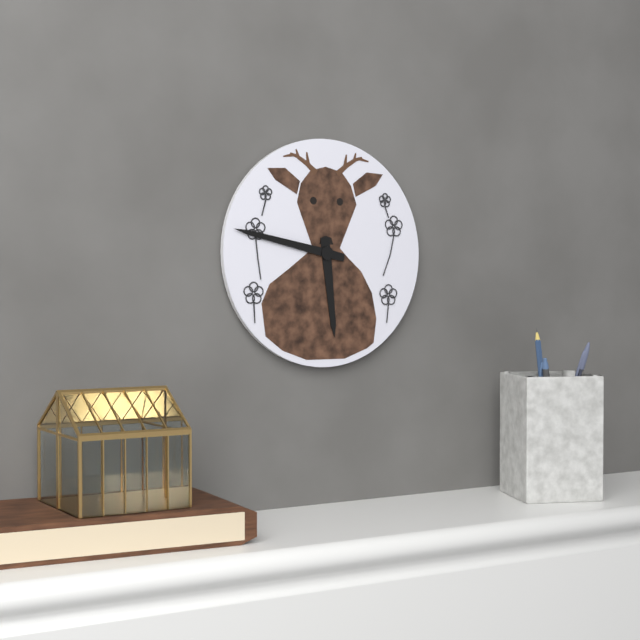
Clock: 5,47
